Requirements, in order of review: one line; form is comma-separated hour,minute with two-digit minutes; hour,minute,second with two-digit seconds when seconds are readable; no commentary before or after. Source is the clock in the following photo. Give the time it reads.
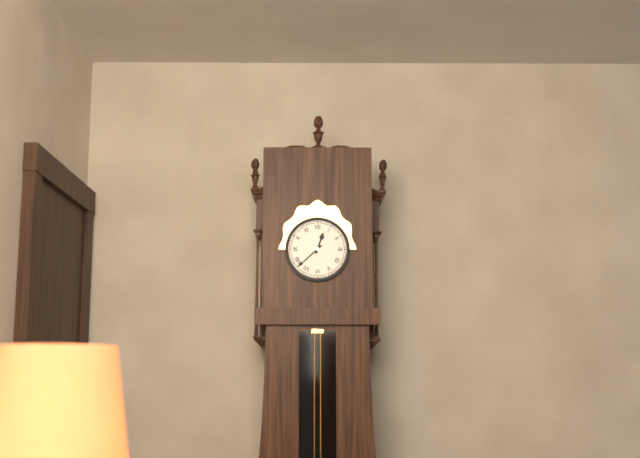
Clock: 12,38
